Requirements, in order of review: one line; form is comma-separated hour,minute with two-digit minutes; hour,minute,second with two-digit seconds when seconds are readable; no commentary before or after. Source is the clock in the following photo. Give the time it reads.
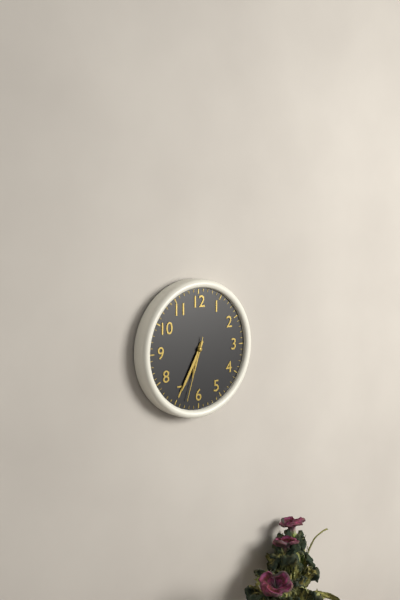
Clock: 6,35,33
